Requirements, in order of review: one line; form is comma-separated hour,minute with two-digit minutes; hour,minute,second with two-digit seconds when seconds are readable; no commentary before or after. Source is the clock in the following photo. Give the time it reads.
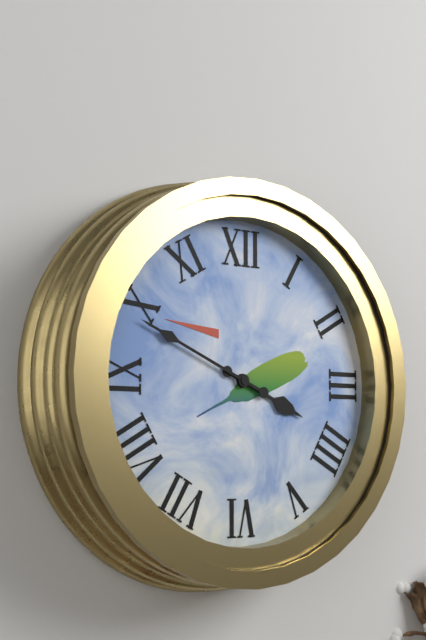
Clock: 3,49
